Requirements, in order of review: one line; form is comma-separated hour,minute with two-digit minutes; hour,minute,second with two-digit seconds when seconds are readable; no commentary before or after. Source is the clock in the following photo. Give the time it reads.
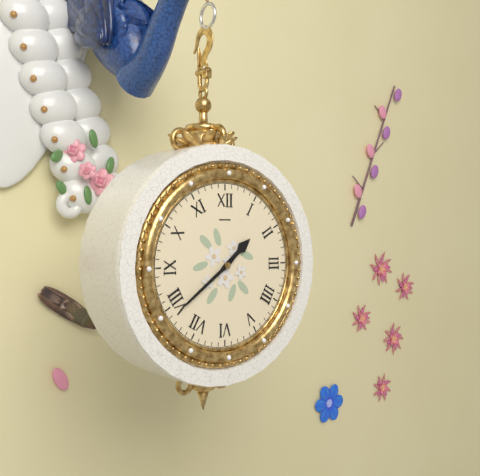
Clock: 1,39
